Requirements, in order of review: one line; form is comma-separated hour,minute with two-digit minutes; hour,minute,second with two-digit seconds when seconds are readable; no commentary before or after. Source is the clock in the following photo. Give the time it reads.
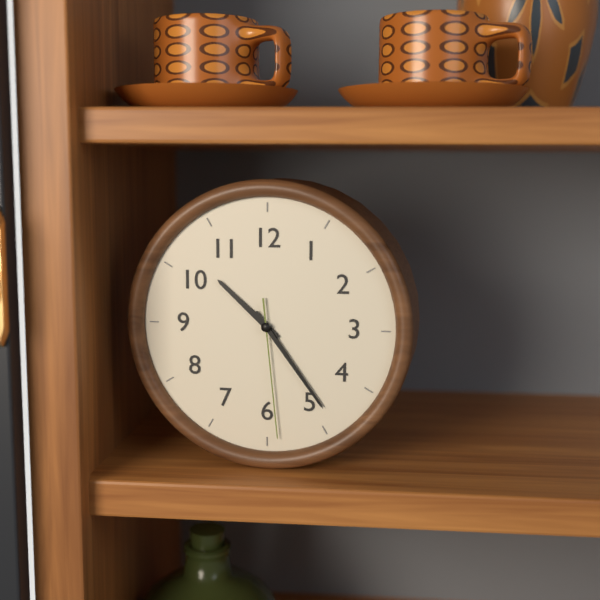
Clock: 10,24,29
